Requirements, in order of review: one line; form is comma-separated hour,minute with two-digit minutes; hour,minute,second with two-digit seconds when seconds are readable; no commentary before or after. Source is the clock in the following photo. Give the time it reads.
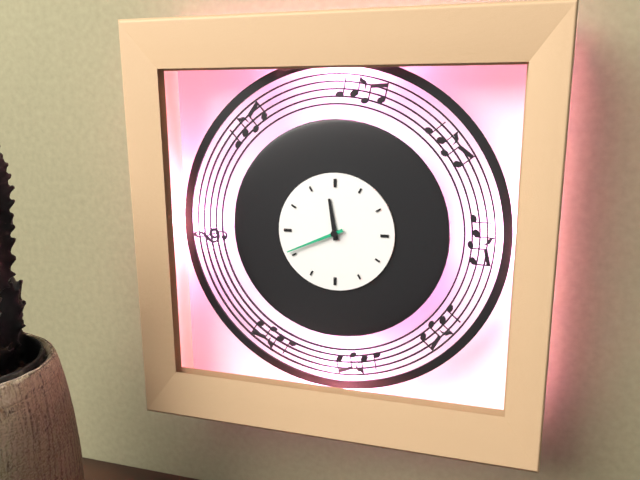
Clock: 11,41
